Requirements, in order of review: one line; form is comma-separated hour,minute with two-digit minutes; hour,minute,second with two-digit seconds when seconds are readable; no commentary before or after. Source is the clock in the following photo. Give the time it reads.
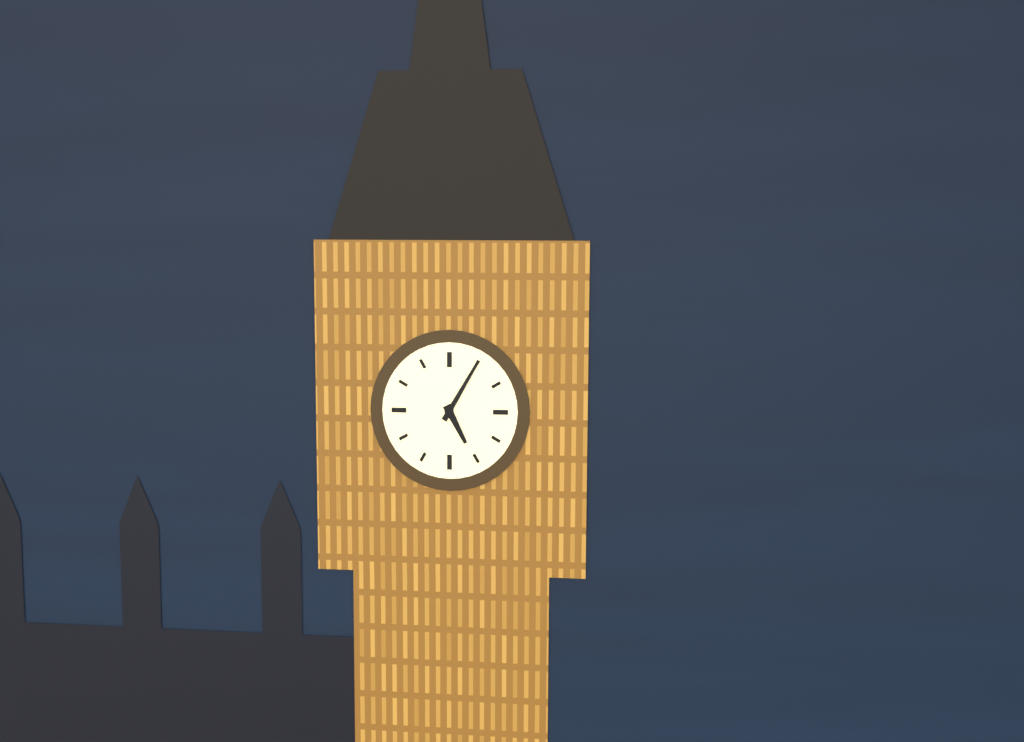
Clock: 5,05
